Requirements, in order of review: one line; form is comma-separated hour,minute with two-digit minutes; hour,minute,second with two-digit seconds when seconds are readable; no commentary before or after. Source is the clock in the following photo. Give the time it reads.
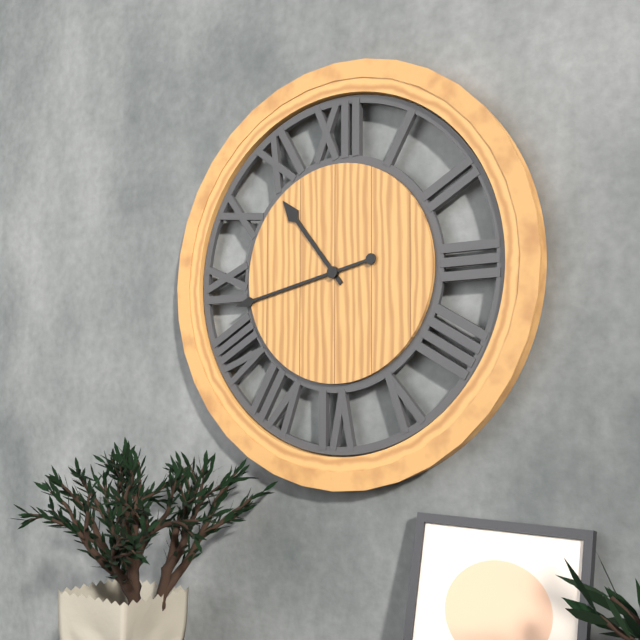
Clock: 10,43
